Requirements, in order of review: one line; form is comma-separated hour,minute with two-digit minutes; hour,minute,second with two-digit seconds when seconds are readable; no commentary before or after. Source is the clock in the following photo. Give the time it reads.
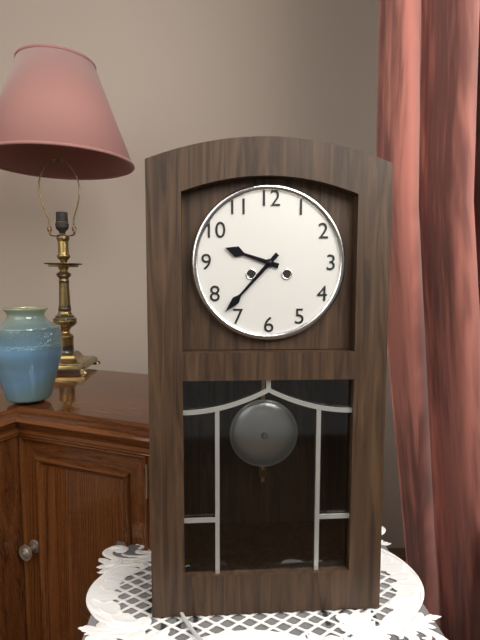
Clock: 9,37
